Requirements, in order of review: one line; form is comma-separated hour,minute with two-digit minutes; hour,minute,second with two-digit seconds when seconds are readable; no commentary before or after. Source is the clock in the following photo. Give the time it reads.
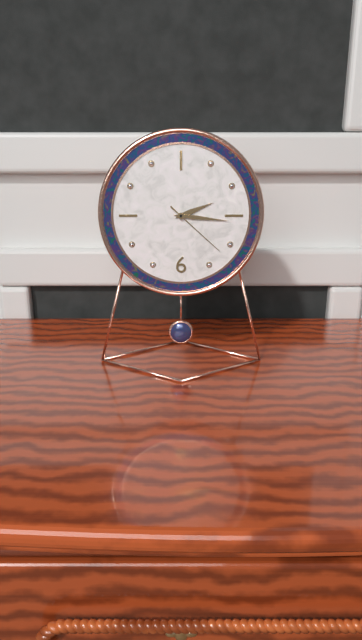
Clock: 2,16,22
